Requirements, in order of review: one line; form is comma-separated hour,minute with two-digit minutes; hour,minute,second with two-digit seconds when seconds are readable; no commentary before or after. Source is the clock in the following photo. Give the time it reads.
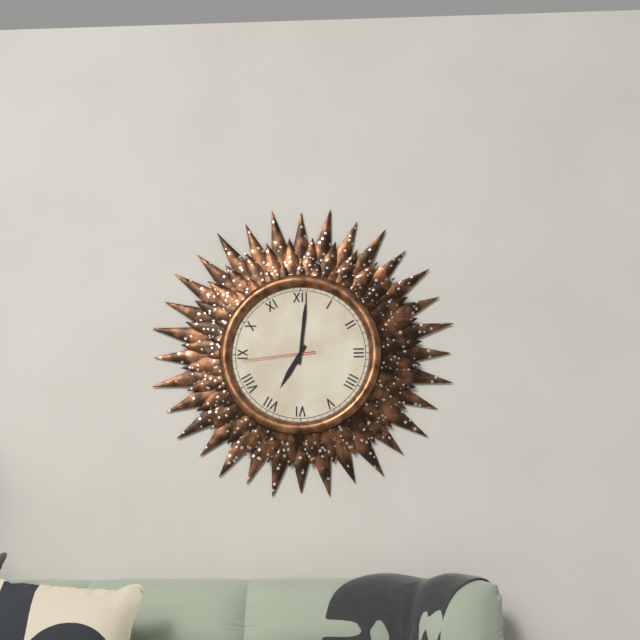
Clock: 7,01,44
